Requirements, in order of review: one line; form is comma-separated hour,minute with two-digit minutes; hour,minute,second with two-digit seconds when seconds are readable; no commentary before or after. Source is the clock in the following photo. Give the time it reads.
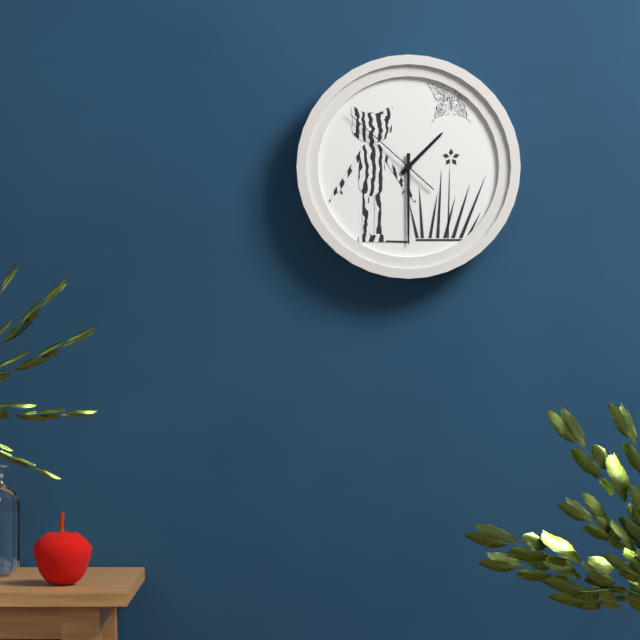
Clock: 1,30,52
